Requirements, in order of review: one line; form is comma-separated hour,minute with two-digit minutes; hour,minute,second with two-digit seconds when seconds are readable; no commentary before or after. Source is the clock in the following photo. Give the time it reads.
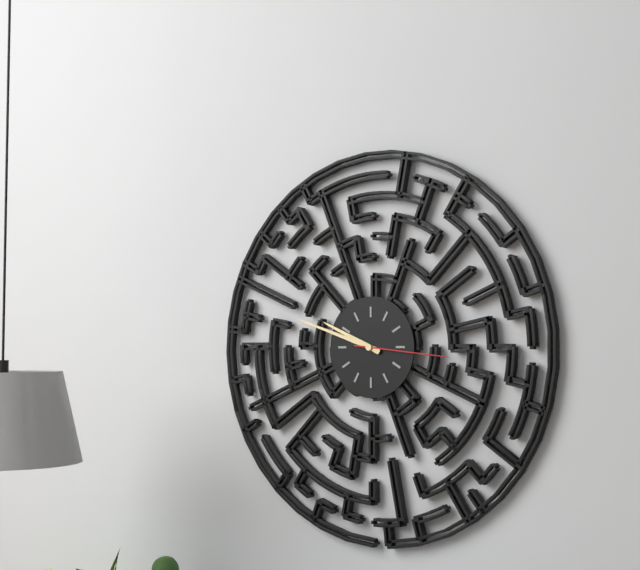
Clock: 9,48,16
